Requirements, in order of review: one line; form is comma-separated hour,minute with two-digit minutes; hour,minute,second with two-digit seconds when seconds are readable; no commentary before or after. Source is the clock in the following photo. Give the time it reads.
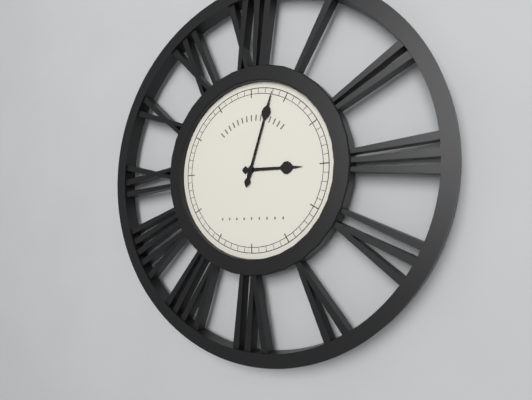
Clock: 3,03
